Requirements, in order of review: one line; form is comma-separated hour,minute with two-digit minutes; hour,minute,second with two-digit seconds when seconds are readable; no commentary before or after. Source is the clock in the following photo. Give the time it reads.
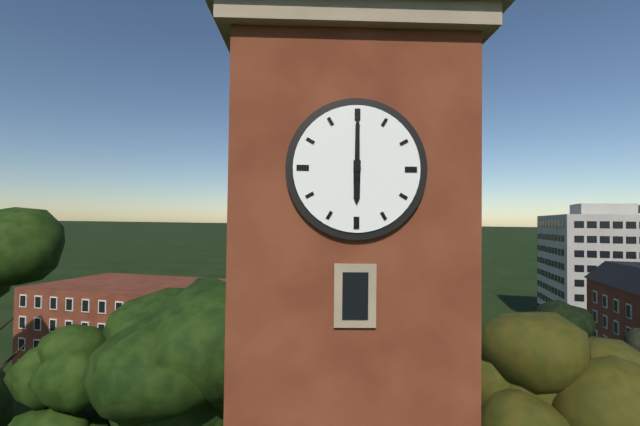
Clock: 6,00
